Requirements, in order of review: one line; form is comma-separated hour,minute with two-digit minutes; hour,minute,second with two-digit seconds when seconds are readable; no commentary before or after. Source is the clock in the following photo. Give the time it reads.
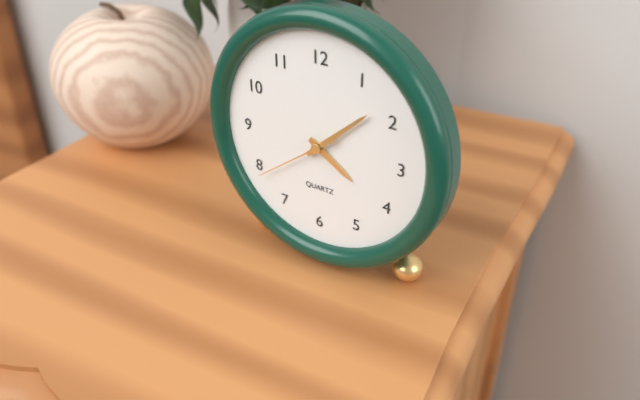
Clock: 4,08,39
